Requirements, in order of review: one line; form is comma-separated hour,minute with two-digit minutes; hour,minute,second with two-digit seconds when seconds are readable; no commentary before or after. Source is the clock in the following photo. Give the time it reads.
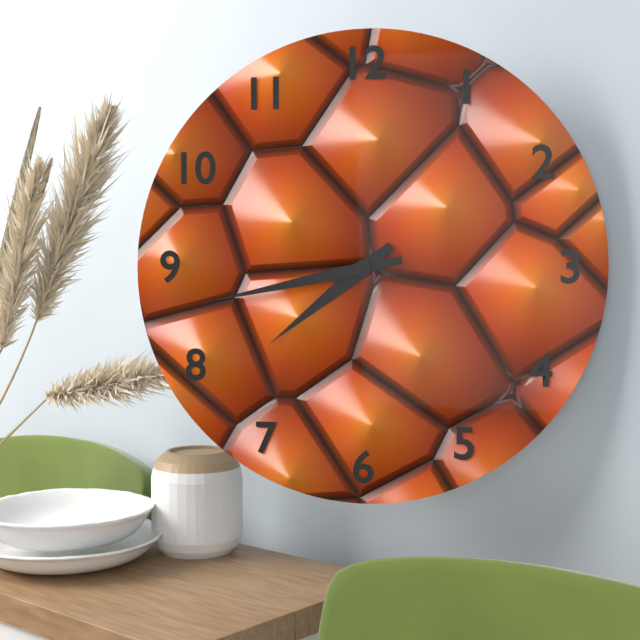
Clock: 7,43
